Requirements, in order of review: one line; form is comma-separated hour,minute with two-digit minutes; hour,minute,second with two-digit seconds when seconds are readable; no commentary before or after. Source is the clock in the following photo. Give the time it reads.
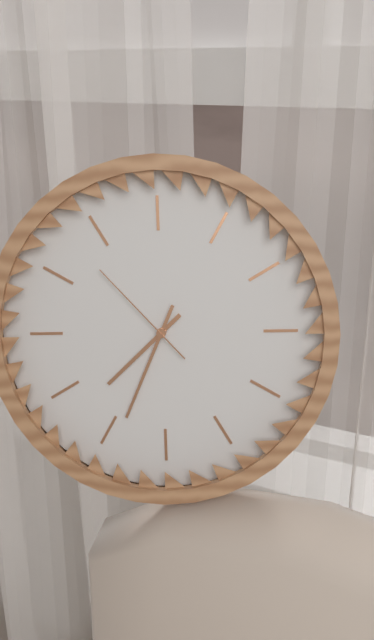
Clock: 7,34,53
